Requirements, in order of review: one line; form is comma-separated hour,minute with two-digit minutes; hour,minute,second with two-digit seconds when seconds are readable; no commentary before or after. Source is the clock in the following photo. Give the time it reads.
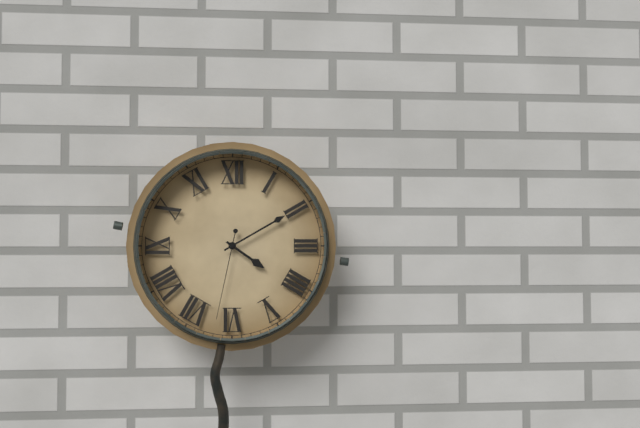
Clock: 4,10,32
